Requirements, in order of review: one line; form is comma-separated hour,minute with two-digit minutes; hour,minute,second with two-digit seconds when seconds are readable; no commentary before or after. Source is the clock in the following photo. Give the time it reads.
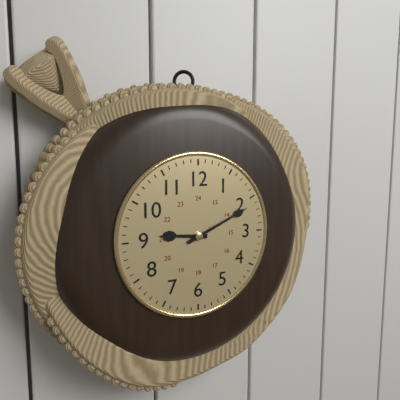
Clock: 9,11
